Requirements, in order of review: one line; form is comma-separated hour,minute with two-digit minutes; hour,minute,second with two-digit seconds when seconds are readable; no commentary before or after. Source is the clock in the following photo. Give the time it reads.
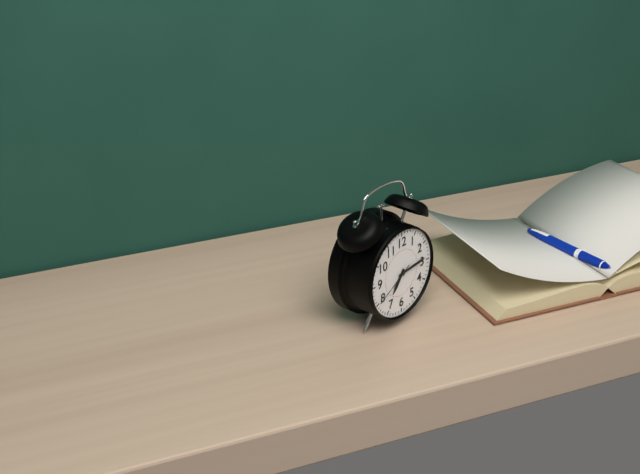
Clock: 7,14
